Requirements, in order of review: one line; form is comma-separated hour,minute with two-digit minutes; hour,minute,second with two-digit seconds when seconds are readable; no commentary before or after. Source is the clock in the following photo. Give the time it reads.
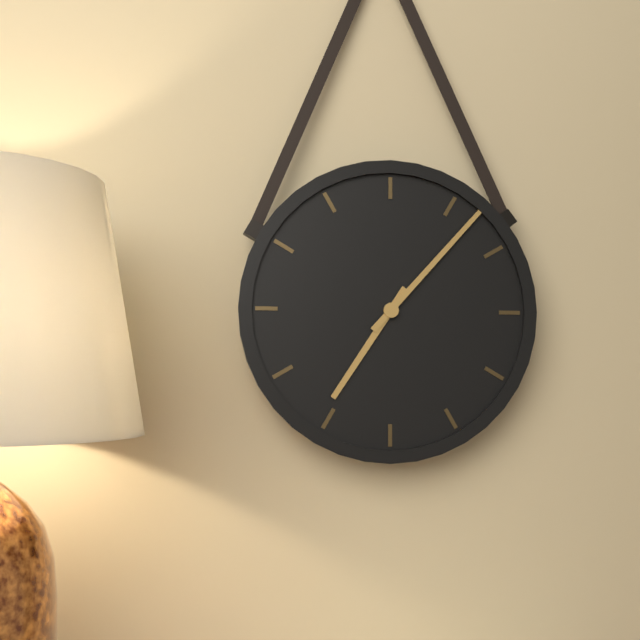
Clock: 7,07
